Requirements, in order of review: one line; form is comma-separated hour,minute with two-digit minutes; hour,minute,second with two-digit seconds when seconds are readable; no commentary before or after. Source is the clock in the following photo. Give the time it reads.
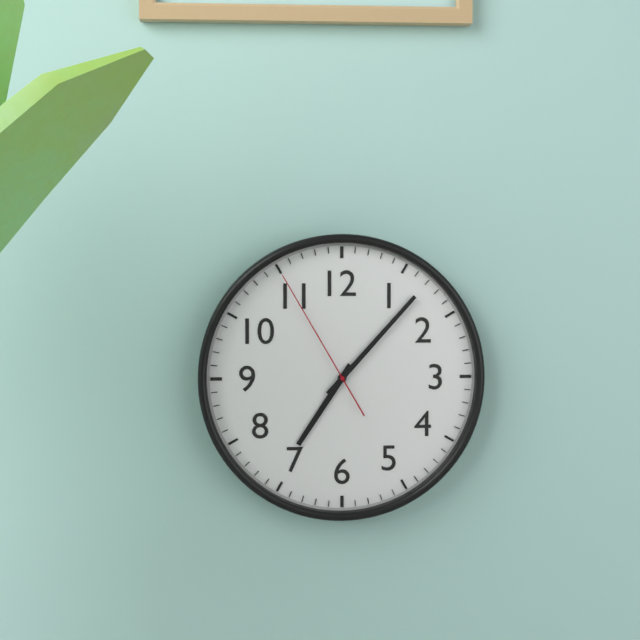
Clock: 7,07,55
